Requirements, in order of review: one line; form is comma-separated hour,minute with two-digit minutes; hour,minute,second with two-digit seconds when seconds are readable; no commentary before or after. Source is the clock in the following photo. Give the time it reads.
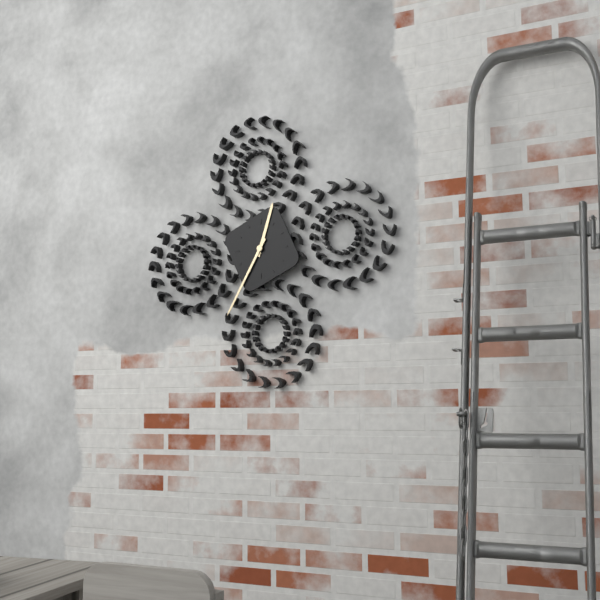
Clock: 12,35
